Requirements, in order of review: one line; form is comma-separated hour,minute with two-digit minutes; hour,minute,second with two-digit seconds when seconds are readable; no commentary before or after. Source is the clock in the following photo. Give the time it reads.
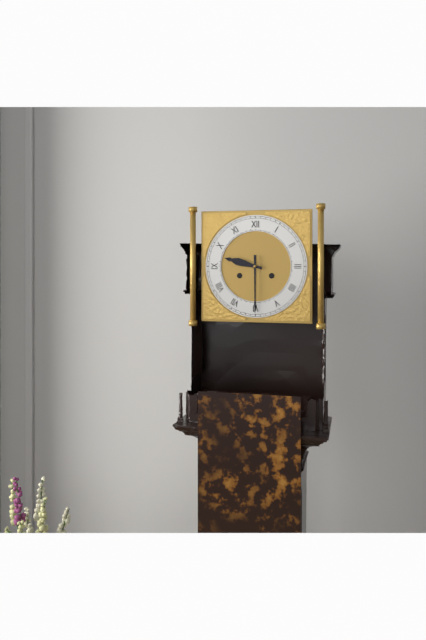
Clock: 9,30
